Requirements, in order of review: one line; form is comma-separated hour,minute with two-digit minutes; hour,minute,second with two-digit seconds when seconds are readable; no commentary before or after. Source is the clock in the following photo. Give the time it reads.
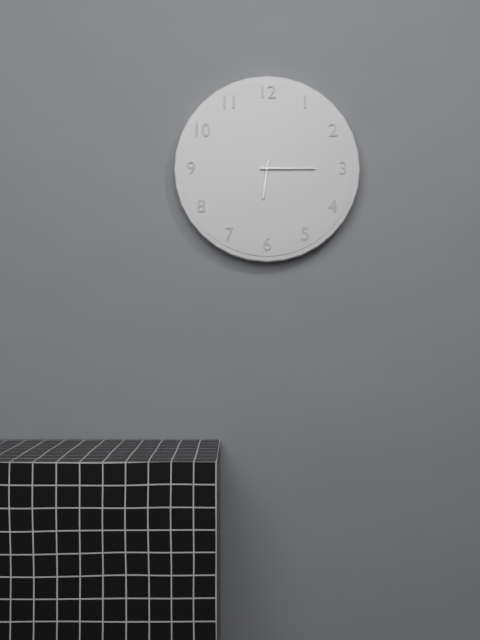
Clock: 6,15
